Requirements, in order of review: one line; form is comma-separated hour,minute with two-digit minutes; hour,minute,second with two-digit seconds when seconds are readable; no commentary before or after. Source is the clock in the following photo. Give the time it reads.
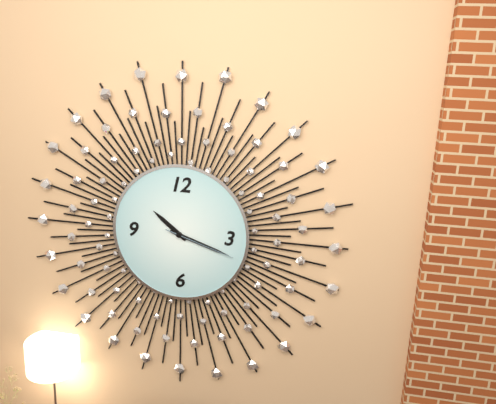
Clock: 10,18,18
